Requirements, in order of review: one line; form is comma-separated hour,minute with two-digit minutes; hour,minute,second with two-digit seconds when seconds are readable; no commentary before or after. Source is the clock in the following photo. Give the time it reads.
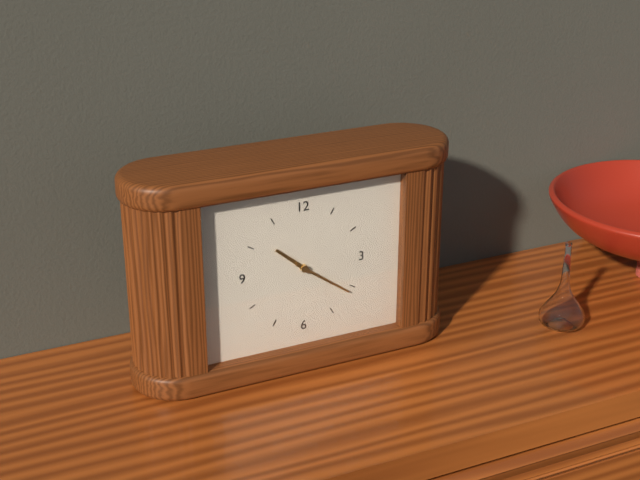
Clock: 10,21
